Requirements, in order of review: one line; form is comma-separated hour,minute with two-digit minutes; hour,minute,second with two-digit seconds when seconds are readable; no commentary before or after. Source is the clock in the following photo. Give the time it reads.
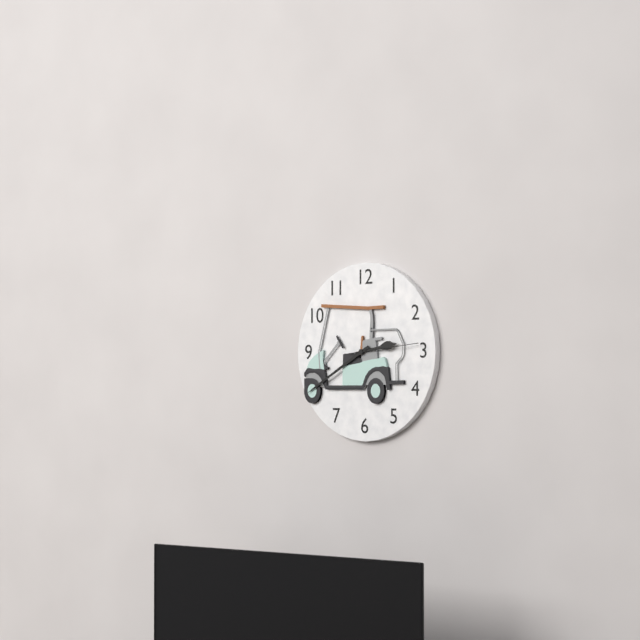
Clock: 2,40,14
